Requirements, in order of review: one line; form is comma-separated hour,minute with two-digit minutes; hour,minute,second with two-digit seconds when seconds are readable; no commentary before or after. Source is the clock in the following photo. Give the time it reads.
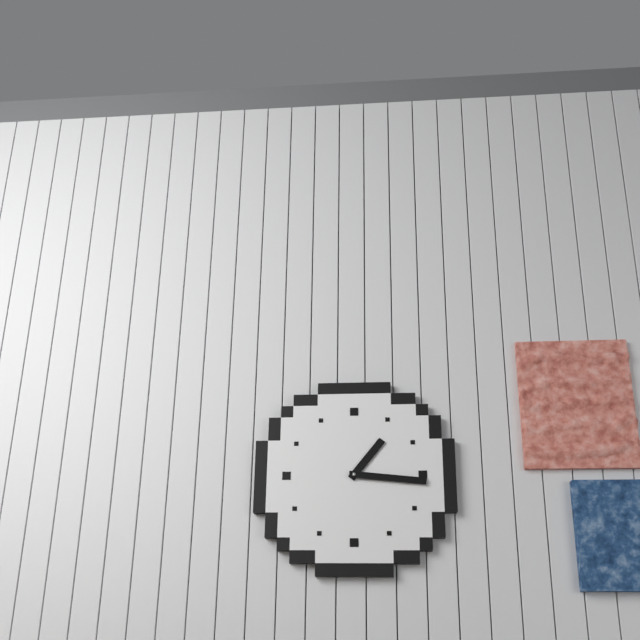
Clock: 1,16
